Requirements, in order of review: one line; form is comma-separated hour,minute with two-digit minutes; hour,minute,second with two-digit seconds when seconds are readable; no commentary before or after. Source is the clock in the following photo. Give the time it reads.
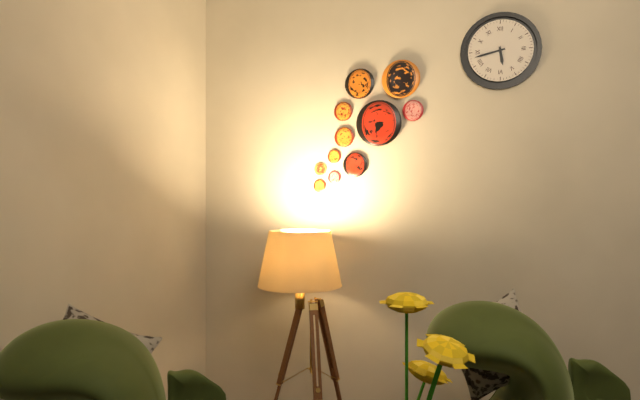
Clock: 5,43
